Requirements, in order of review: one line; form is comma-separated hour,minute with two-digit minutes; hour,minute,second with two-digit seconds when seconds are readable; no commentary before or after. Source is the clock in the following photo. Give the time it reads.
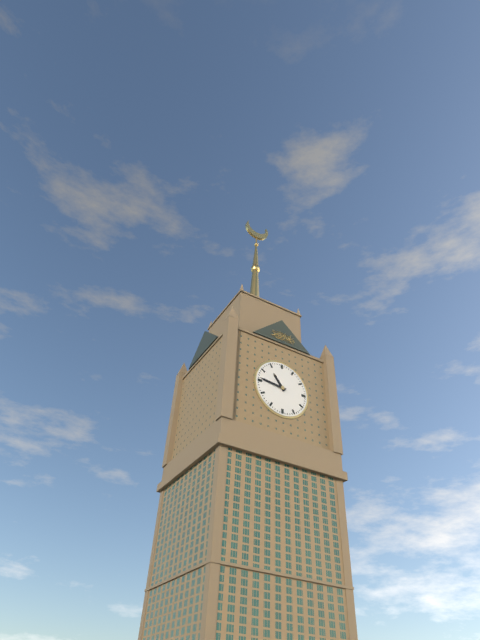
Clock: 10,46
